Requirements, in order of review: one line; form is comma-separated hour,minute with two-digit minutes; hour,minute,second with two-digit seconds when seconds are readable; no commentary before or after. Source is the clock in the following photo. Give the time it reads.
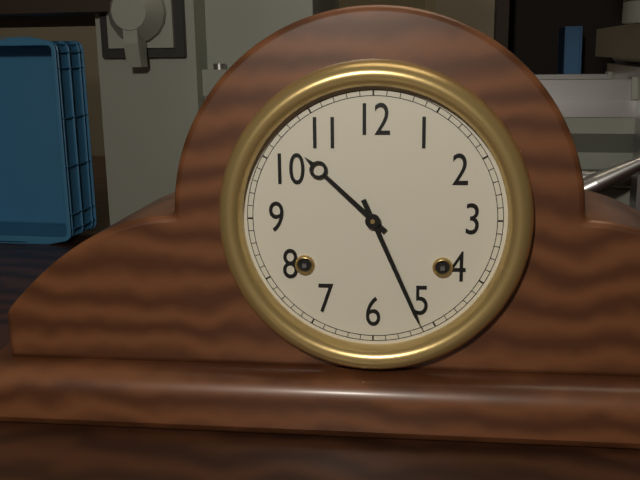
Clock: 10,26
